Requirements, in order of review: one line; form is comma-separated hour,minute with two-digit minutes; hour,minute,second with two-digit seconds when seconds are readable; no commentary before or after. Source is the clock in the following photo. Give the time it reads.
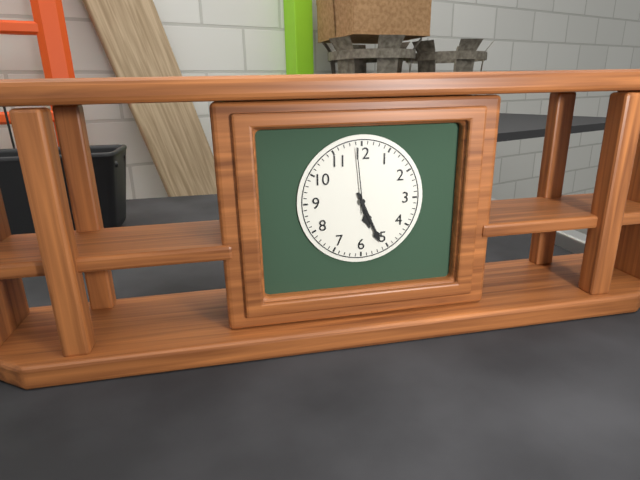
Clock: 5,26,59
